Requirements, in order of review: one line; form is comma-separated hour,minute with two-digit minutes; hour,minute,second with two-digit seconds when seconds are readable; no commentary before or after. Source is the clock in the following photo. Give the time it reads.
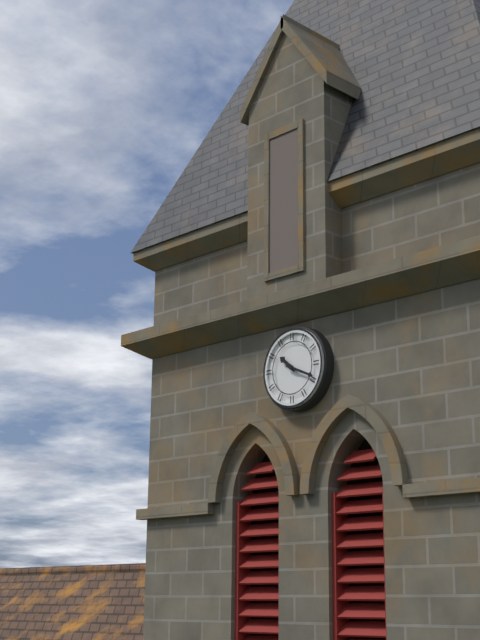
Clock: 10,19
